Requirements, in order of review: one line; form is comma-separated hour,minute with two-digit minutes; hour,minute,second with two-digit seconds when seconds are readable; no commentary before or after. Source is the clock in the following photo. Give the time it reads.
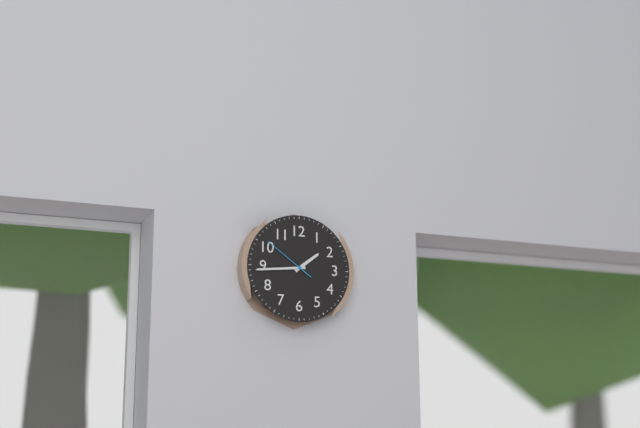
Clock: 1,44,51
